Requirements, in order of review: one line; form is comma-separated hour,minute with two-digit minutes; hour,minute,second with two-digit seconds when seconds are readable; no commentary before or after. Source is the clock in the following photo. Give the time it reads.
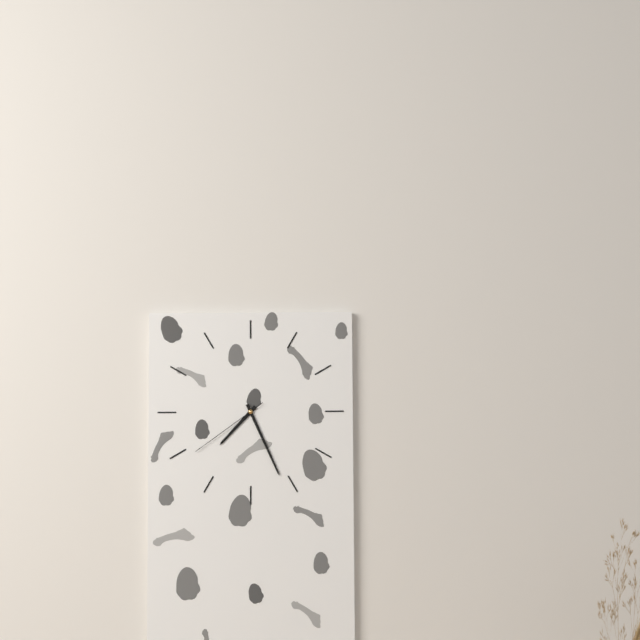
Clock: 7,26,39
